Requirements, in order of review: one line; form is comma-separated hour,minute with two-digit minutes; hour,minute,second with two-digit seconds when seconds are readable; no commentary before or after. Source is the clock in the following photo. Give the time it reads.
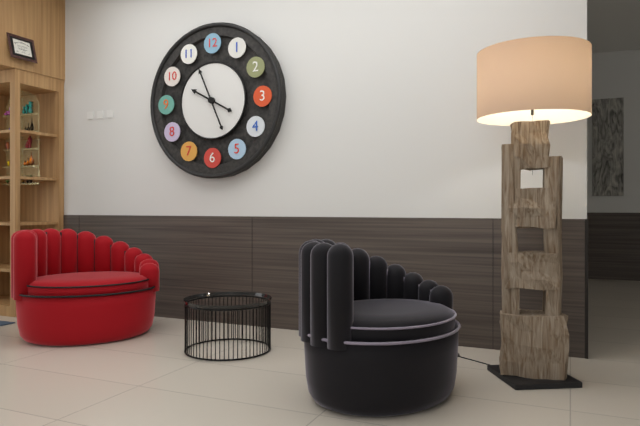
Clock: 9,56
